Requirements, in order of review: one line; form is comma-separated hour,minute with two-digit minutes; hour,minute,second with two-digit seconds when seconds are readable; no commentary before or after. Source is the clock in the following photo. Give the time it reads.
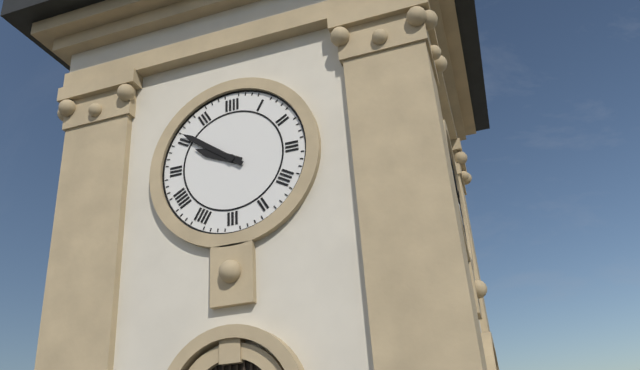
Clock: 9,51
